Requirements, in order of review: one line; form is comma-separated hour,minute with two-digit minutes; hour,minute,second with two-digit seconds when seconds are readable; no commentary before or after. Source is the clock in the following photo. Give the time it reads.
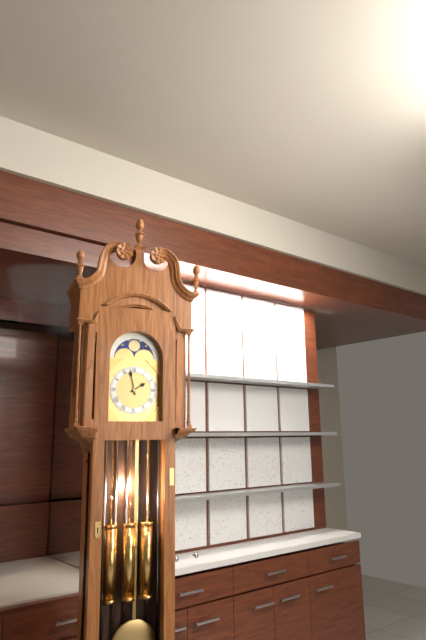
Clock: 1,58
